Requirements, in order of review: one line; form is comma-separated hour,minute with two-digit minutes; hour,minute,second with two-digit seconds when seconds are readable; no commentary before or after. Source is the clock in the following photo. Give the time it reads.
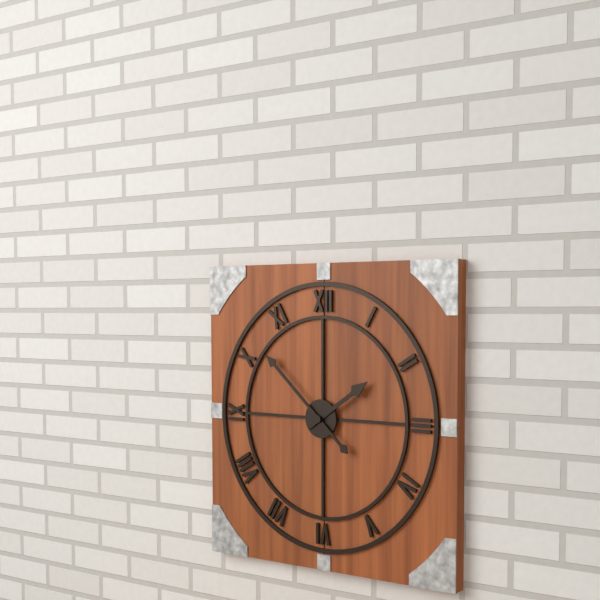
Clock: 1,52
